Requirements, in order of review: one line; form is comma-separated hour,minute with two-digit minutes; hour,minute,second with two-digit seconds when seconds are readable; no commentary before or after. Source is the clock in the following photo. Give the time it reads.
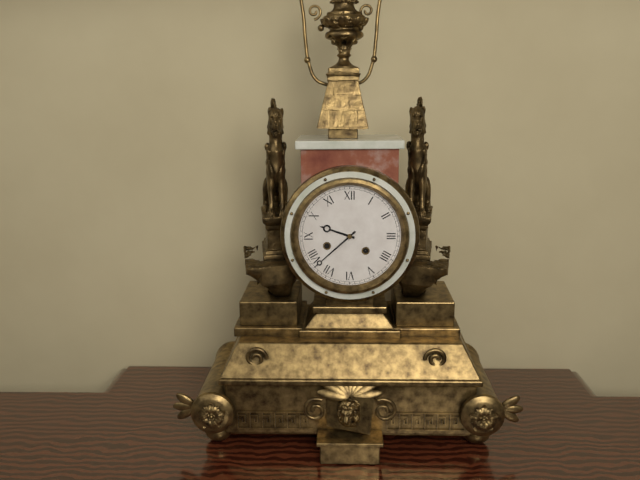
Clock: 9,38
